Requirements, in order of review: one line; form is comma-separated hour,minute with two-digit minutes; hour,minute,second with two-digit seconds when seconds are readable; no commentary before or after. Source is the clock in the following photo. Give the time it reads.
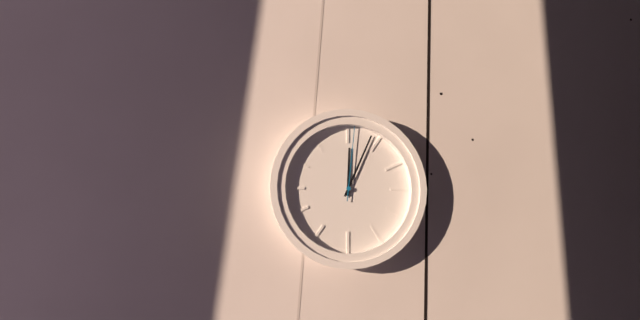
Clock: 12,04,01
